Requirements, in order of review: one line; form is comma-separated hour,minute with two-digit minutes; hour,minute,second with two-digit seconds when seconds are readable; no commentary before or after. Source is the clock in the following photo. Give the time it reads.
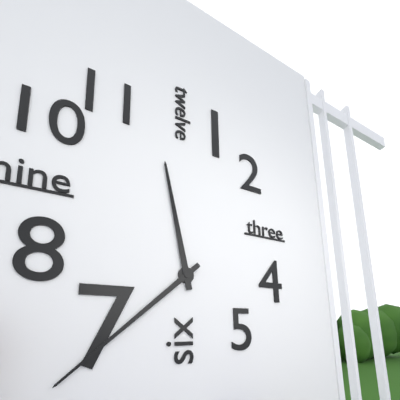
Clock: 11,38
